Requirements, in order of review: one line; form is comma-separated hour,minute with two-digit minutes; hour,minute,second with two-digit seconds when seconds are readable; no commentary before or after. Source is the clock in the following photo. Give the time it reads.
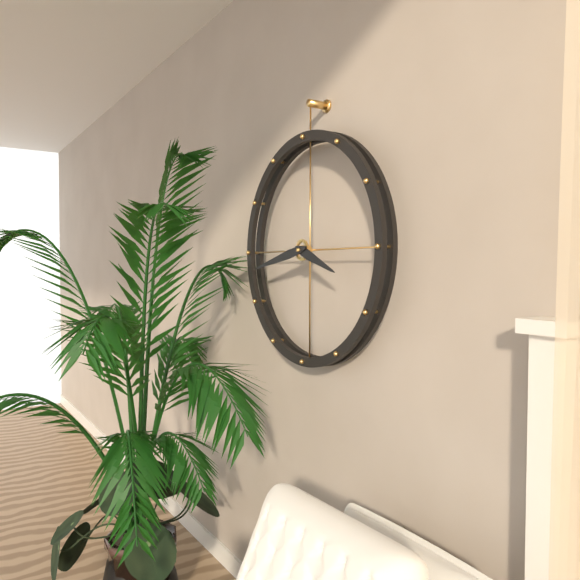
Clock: 3,43
